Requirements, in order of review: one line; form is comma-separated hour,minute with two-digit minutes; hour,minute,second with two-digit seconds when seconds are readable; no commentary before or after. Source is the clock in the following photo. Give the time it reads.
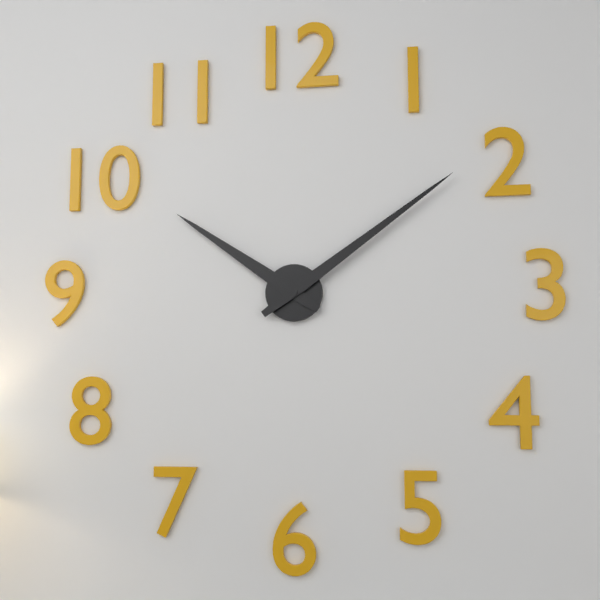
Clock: 10,09
